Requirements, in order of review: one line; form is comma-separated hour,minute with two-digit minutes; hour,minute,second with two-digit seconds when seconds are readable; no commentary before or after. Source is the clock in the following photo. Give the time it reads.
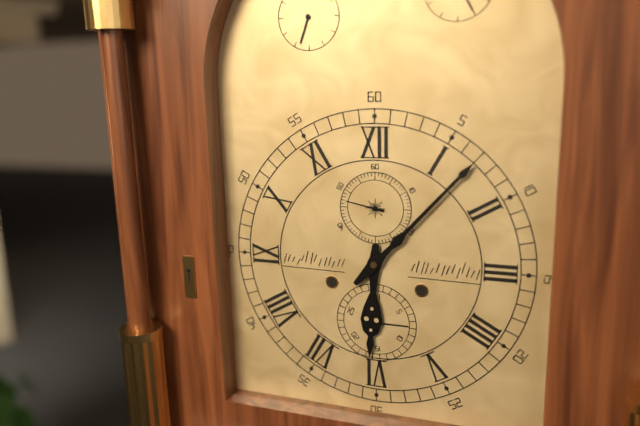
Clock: 6,07
